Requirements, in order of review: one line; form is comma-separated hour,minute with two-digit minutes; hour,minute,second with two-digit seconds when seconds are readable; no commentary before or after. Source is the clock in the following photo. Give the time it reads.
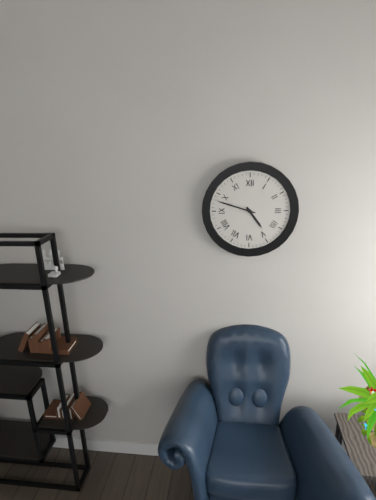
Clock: 4,48
